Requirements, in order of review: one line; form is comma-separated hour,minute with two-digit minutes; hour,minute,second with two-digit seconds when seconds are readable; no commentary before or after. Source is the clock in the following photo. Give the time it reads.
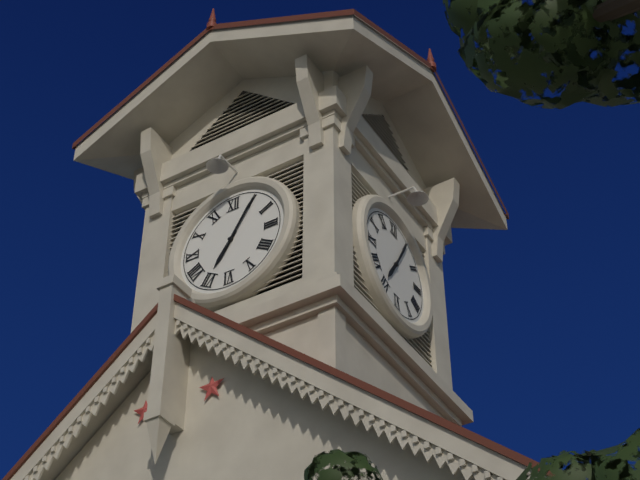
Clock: 7,05
